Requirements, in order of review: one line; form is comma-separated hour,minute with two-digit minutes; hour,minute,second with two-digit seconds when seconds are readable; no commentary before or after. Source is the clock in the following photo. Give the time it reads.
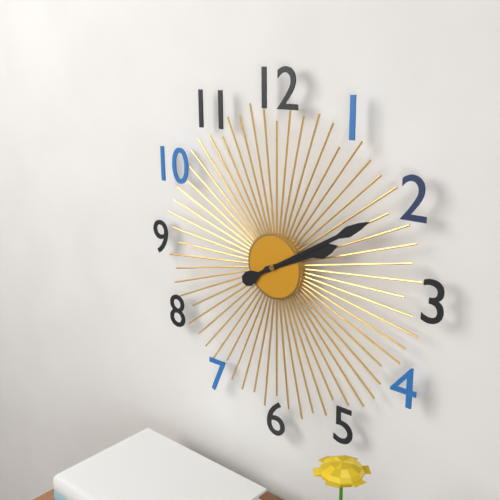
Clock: 2,10
